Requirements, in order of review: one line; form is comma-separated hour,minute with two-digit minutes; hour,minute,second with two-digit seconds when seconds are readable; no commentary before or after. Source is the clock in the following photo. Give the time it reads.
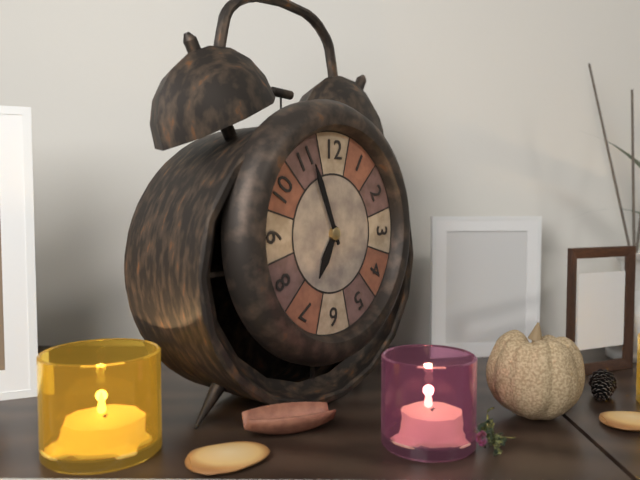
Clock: 6,56
